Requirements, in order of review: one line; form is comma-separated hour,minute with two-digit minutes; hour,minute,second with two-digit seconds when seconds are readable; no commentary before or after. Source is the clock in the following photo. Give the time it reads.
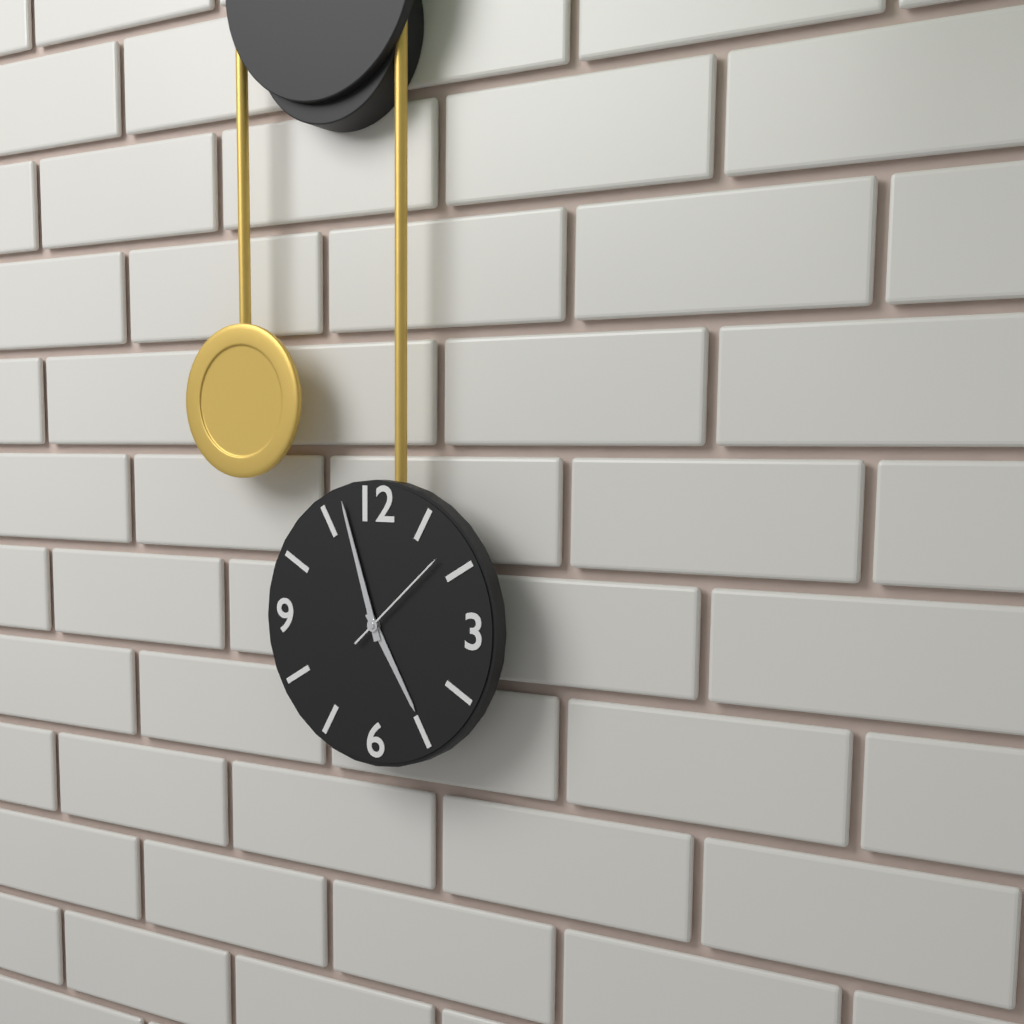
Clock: 4,57,08
